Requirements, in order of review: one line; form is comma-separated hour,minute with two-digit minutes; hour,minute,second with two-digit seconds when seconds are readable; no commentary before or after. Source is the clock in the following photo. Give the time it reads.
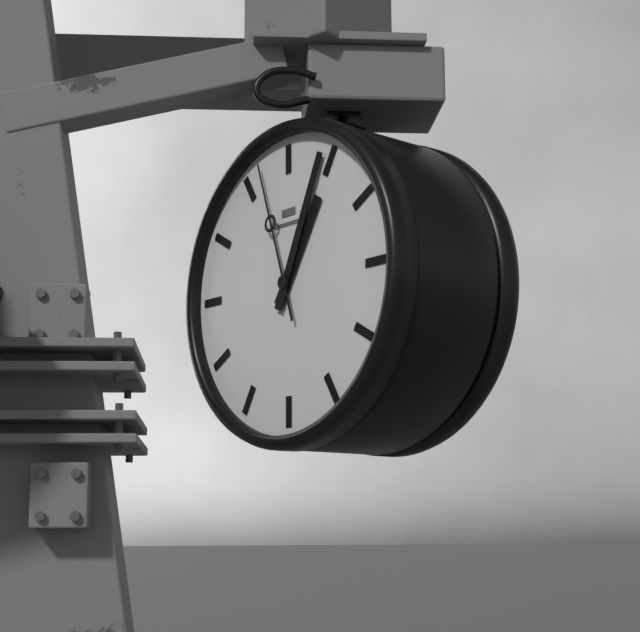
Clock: 1,04,57
